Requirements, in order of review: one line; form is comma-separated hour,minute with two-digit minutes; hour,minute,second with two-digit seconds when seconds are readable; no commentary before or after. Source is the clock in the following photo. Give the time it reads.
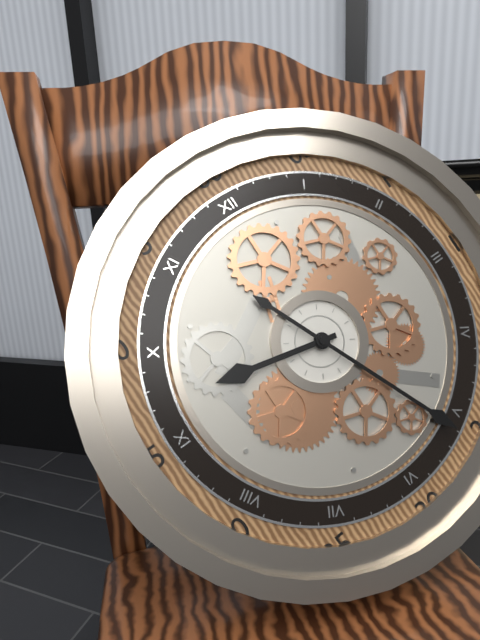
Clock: 9,26
